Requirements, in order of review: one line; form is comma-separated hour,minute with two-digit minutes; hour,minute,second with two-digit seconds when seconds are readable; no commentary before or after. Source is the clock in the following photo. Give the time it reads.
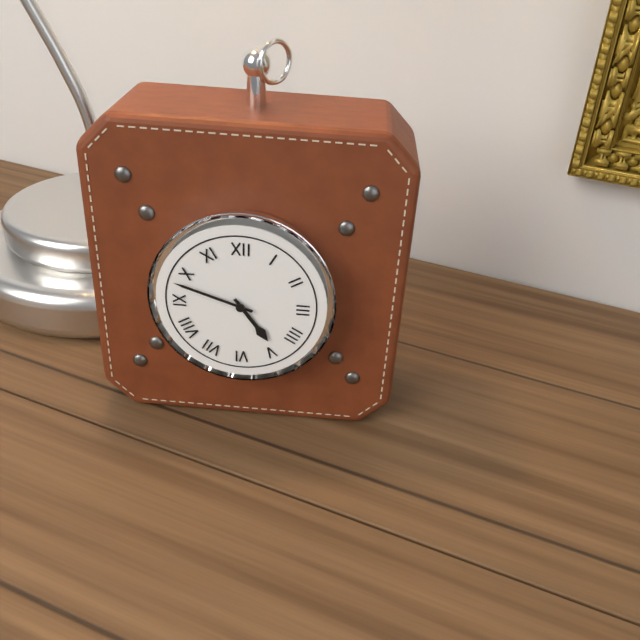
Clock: 4,48
